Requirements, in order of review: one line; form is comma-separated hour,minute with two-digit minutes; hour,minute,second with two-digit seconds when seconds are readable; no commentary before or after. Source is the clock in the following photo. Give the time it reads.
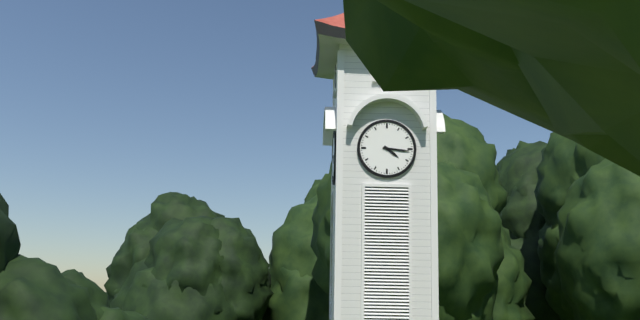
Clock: 4,16
